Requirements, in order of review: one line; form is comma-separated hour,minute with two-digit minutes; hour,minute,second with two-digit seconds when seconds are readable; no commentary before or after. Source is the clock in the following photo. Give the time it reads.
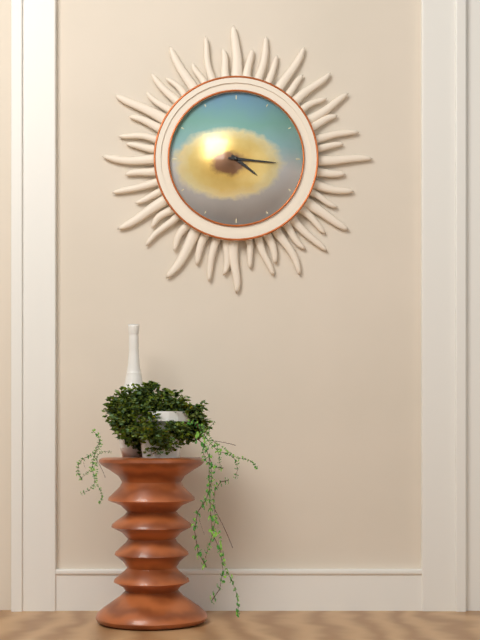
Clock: 4,16
